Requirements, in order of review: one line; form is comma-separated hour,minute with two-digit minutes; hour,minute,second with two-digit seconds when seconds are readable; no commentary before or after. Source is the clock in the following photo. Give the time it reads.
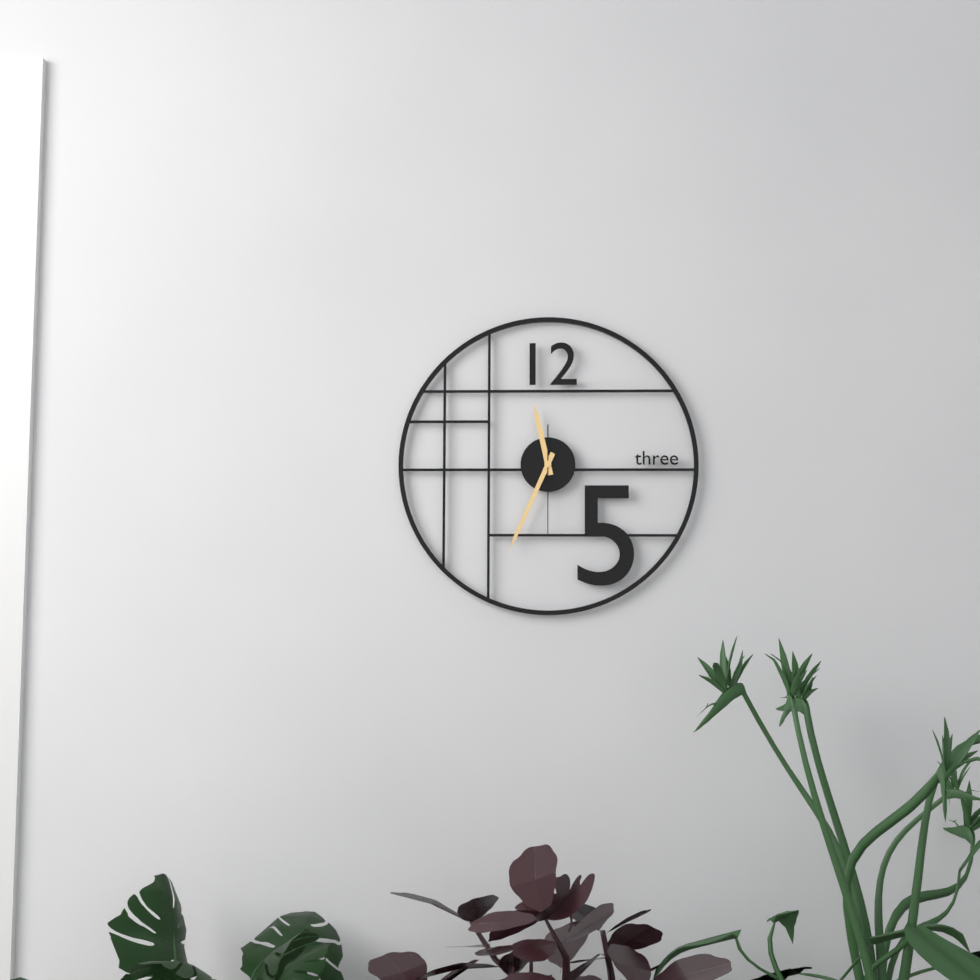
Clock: 11,34,30
